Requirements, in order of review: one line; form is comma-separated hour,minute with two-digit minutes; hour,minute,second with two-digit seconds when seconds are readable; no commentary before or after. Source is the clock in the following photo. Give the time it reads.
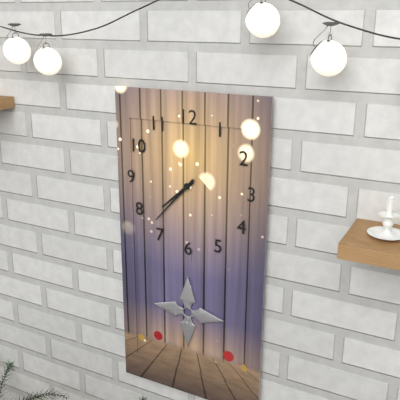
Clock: 7,37
